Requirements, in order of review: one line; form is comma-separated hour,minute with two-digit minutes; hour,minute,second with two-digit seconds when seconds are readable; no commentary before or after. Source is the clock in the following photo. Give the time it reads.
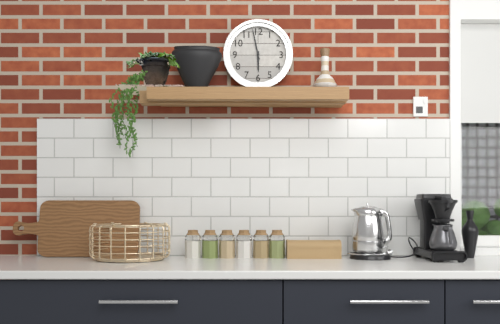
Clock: 5,58
